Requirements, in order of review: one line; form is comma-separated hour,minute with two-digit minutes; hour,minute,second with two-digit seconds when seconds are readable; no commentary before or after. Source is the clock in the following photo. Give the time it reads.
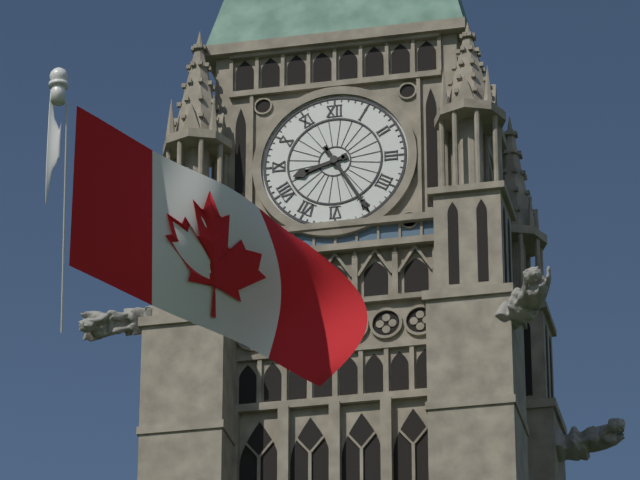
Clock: 8,25
